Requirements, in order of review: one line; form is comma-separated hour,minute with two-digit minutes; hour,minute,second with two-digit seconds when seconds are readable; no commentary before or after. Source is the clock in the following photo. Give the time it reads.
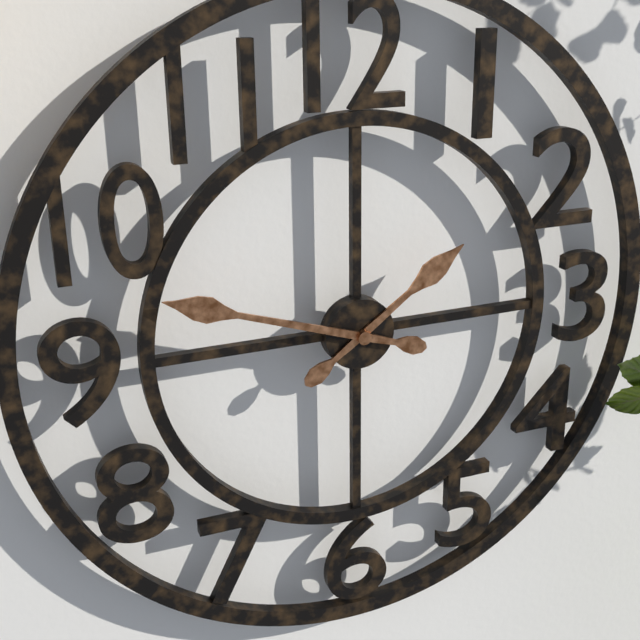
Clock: 1,48
